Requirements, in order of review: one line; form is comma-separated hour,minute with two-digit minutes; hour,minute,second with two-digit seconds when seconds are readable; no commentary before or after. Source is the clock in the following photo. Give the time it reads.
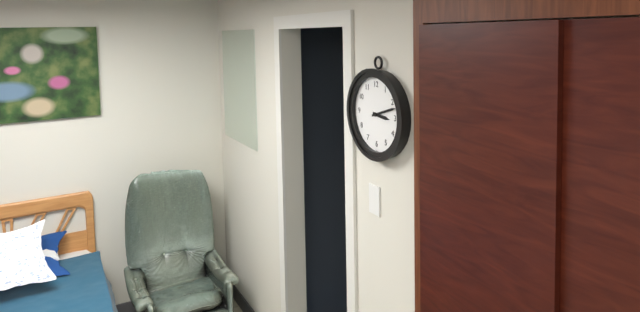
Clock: 3,12
